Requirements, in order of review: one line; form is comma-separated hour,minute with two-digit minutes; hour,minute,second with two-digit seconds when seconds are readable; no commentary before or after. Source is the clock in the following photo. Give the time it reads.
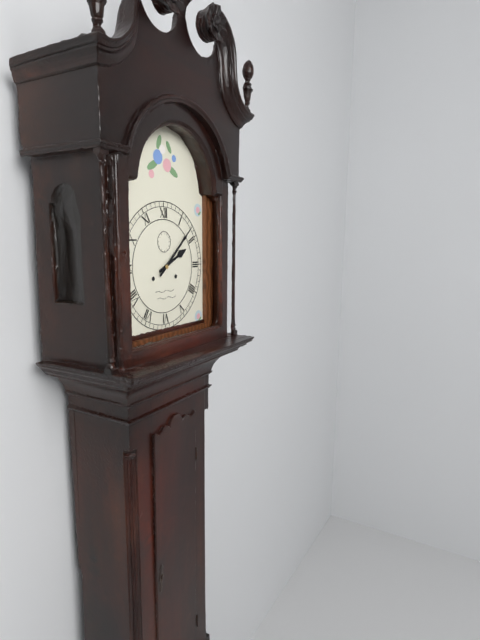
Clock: 2,08
